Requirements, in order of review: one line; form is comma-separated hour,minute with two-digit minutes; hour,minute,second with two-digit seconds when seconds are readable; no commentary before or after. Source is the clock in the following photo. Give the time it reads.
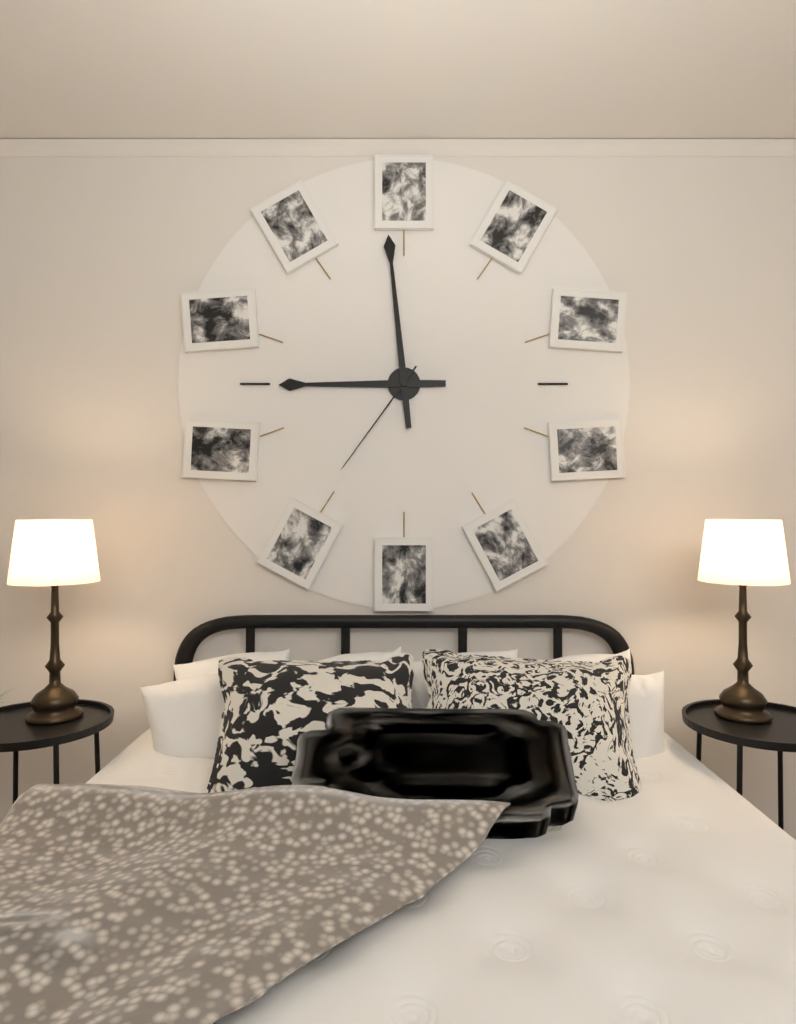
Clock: 8,59,36
